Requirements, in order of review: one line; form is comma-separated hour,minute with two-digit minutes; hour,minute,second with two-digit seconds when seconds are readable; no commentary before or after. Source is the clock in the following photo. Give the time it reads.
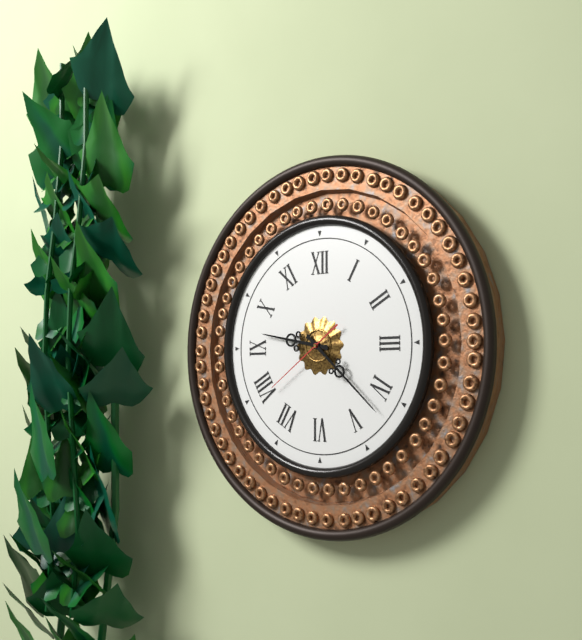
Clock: 9,22,39
